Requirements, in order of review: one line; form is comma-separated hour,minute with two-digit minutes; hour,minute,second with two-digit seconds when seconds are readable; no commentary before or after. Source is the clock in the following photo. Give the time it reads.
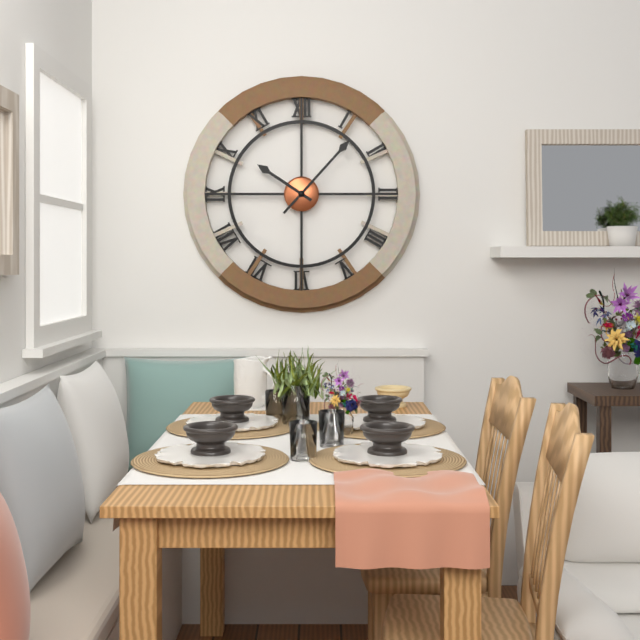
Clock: 10,07
